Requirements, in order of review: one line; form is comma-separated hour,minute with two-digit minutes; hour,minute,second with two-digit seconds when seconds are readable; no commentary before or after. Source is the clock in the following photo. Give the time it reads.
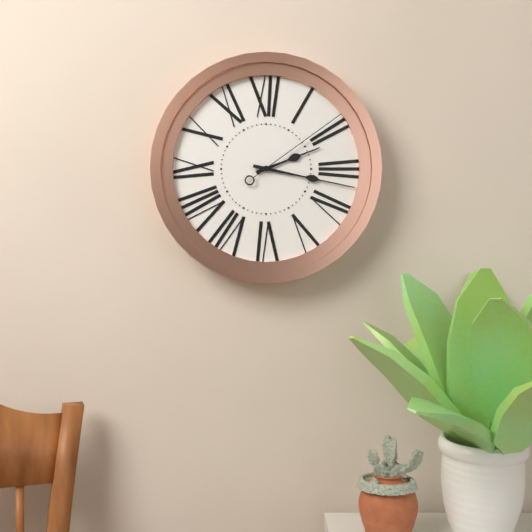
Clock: 2,17,09
